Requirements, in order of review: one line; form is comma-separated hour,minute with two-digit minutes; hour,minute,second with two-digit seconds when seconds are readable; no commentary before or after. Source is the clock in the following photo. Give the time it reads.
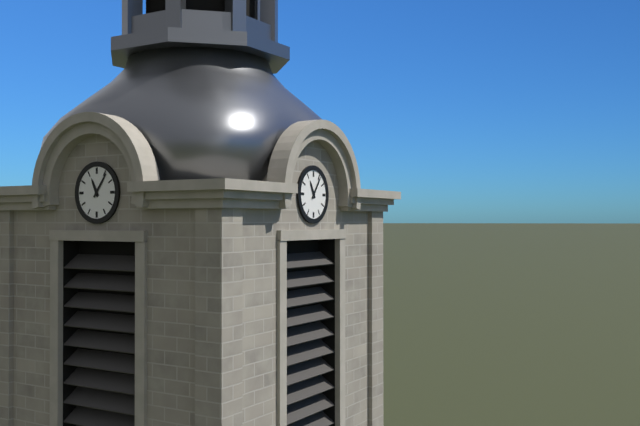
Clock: 11,06
